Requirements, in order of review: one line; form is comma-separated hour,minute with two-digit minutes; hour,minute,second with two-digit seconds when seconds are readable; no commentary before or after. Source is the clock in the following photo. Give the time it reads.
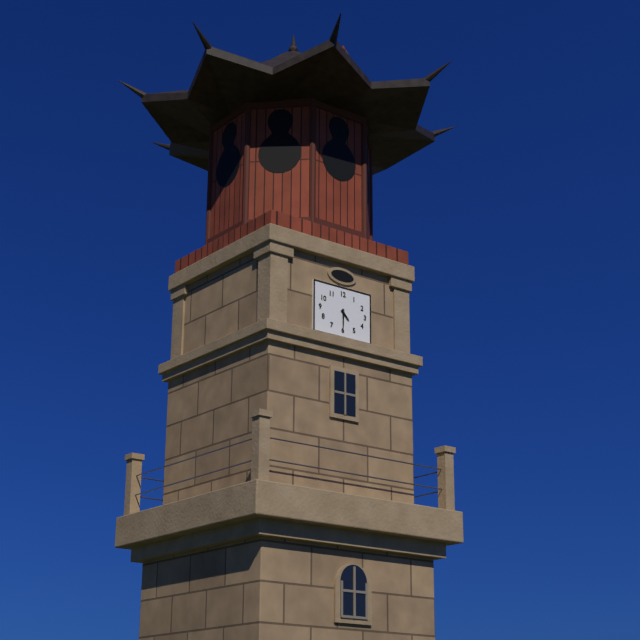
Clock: 4,30
